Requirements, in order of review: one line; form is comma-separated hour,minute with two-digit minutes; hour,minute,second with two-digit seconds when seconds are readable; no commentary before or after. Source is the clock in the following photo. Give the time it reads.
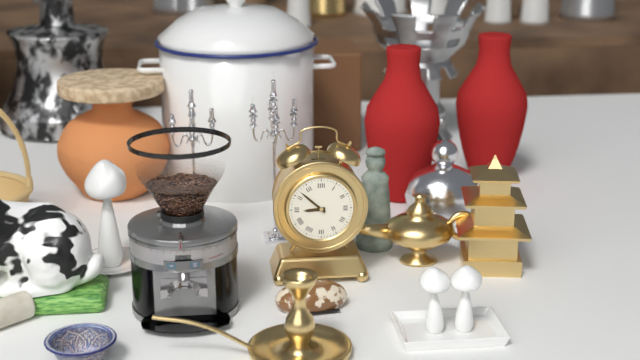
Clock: 8,52
